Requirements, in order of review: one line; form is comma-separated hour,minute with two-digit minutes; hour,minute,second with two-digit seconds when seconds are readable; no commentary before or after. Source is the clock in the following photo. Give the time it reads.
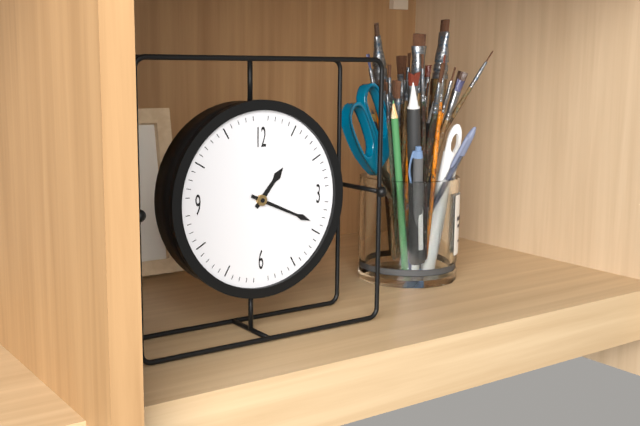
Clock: 1,19
